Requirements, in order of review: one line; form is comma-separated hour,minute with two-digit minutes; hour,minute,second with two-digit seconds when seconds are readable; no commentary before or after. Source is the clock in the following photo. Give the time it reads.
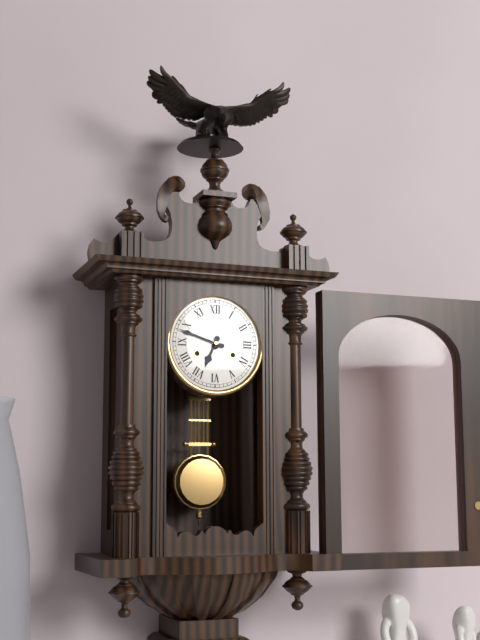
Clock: 6,48
